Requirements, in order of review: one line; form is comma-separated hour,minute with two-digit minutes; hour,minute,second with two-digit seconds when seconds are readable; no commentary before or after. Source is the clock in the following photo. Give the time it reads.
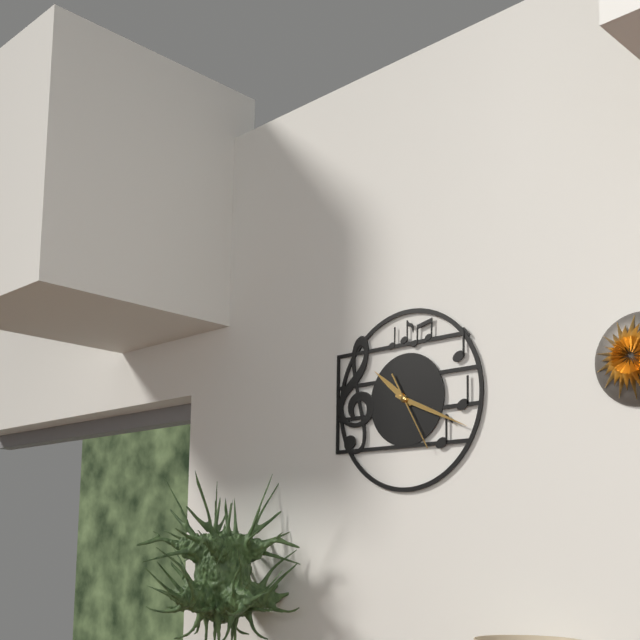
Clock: 10,19,25
